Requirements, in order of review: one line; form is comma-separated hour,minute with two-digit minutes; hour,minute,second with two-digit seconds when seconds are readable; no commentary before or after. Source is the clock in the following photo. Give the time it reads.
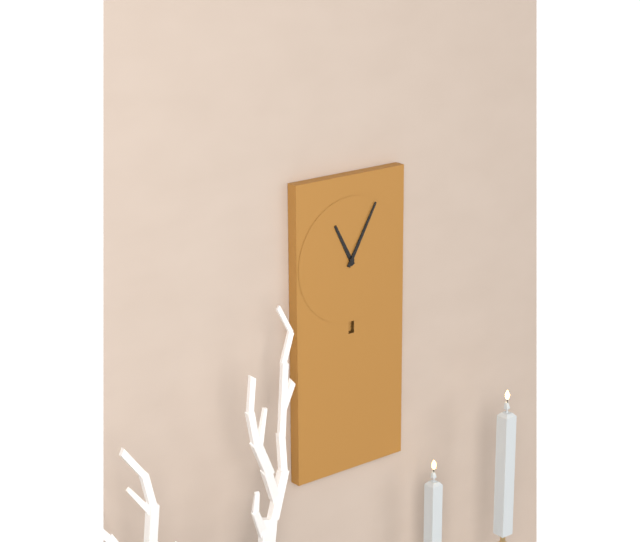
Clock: 11,05
